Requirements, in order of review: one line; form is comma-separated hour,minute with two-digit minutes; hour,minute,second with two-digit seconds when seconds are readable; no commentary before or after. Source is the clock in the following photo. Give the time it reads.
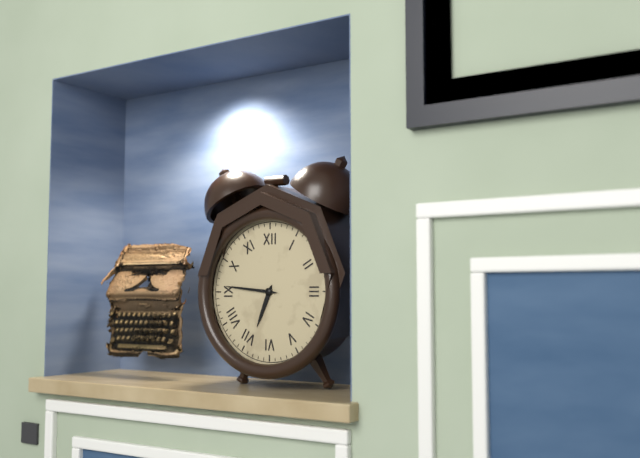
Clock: 6,46
